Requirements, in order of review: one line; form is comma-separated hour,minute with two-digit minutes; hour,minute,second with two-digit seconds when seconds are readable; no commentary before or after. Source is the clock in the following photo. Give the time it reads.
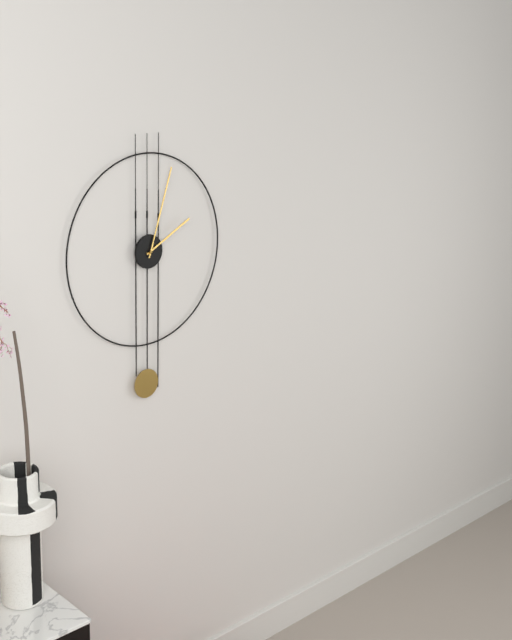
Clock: 2,03
